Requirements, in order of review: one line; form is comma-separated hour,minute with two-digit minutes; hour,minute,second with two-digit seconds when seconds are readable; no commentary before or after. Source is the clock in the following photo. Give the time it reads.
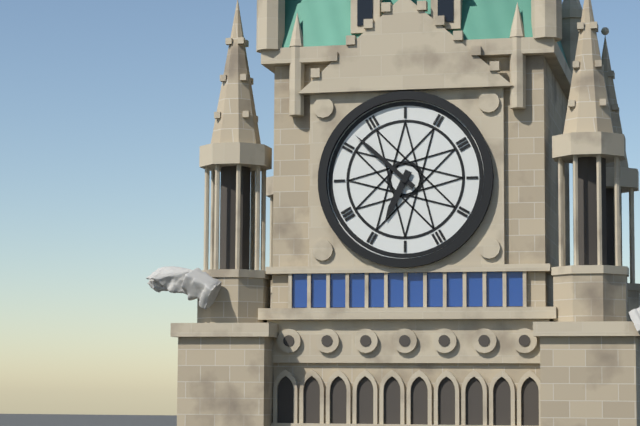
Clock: 6,52
